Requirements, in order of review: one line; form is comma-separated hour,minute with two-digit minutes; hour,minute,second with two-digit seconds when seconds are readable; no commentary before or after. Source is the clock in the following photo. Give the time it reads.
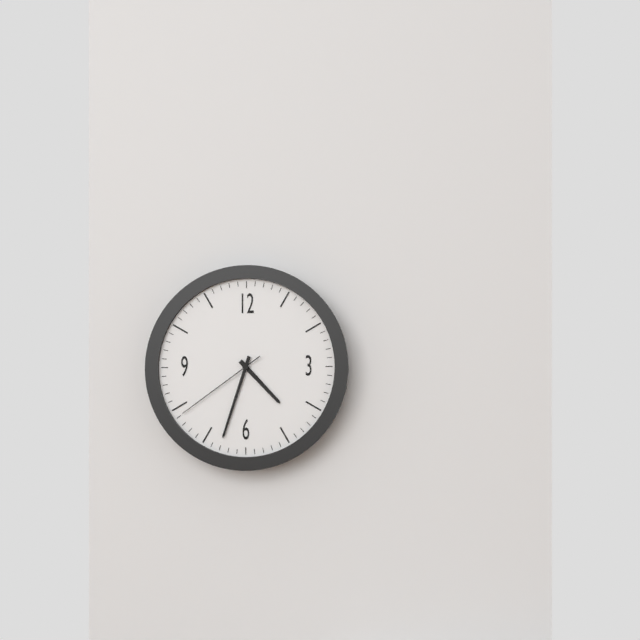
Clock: 4,33,39
